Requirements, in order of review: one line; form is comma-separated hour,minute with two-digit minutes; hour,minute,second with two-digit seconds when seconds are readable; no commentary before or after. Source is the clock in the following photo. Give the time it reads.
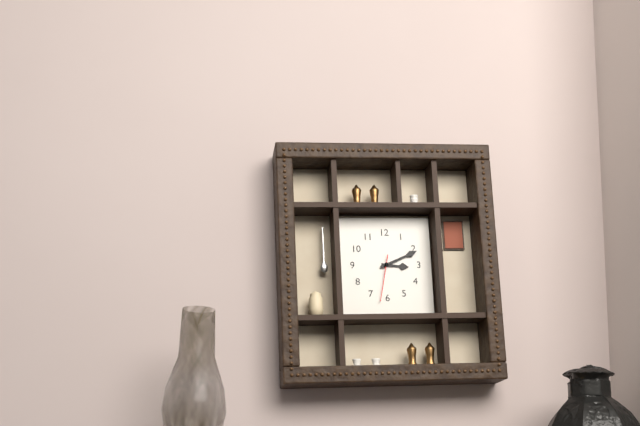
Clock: 3,11
